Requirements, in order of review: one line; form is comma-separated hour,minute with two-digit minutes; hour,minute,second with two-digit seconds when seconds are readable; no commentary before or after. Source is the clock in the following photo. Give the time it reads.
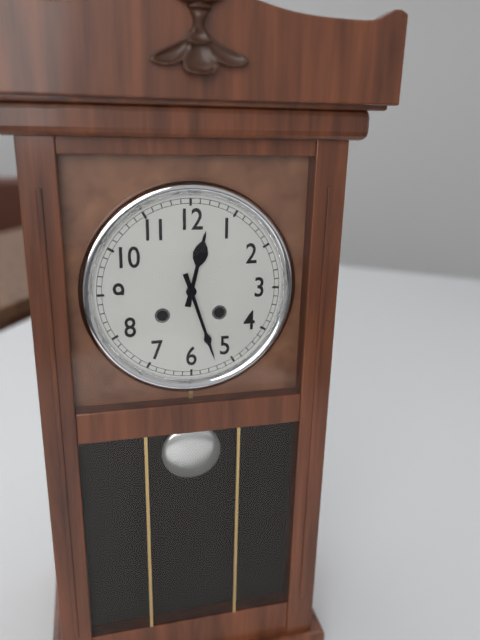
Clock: 12,27
